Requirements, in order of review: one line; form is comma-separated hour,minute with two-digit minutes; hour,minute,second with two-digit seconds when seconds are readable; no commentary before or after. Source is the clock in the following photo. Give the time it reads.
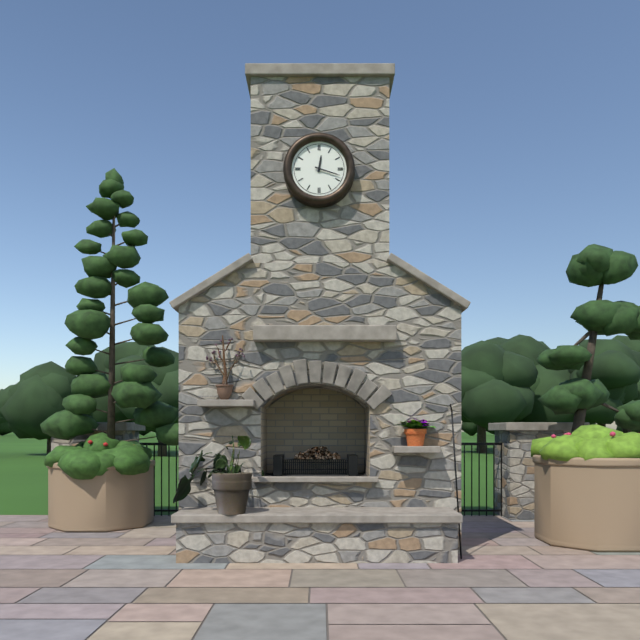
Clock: 12,18
